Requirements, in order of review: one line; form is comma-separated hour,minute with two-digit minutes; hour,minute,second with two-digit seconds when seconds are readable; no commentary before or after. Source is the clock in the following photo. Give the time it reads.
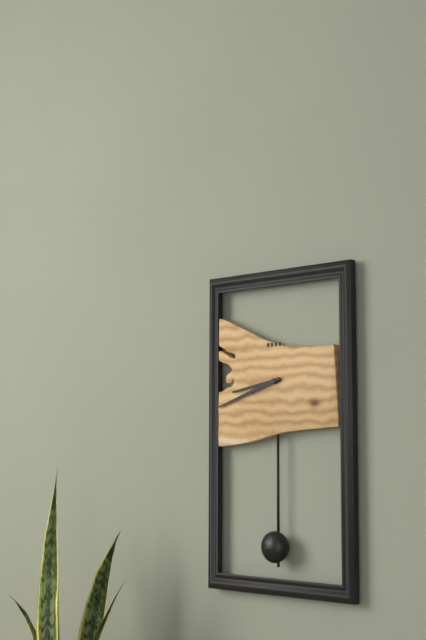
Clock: 8,42
